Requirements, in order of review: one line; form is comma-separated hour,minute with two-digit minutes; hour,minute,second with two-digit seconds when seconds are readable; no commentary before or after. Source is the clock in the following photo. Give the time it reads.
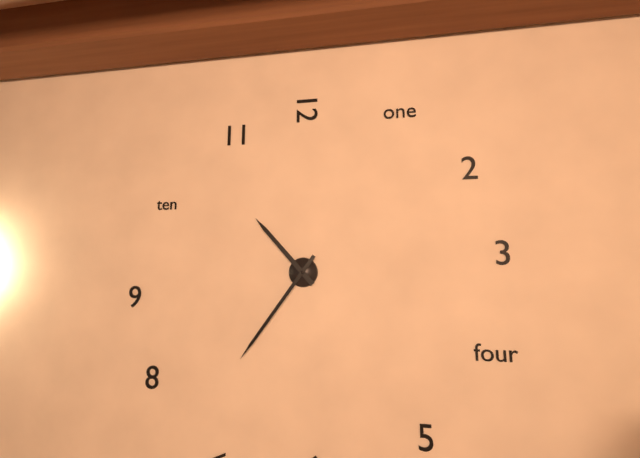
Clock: 10,36
